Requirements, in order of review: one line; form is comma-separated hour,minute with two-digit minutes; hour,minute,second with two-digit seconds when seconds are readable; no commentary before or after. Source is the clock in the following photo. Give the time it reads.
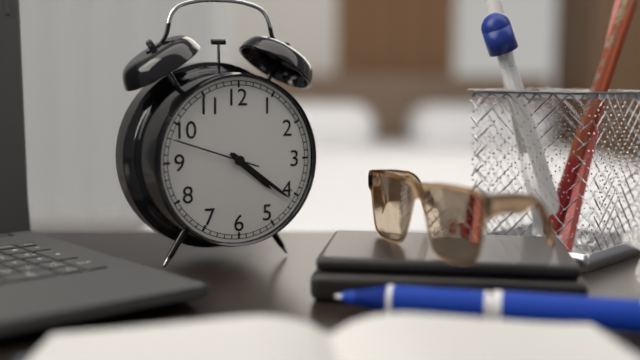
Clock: 4,21,48
